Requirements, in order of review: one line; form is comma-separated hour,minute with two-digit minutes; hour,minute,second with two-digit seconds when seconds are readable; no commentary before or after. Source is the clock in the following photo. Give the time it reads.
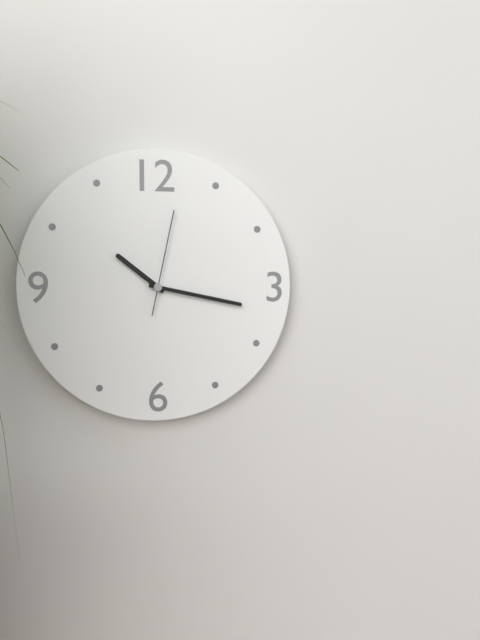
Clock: 10,17,02
